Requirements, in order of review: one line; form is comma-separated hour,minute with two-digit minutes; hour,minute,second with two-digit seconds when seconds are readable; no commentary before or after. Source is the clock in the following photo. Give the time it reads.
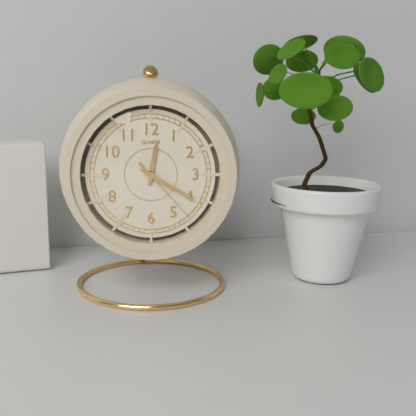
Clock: 12,20,23
